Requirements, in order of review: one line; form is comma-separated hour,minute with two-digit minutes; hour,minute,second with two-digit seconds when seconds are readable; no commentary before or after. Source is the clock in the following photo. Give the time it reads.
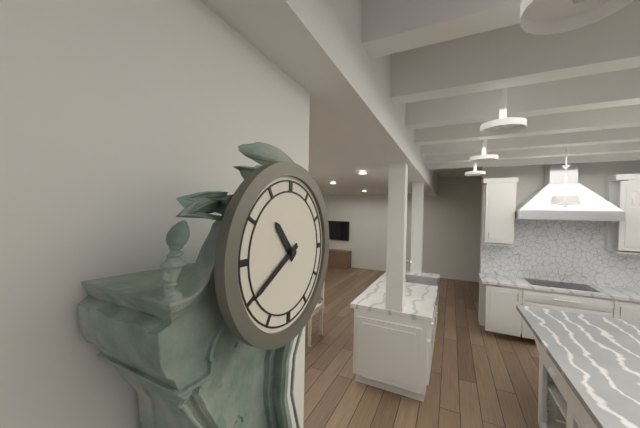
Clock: 10,40
